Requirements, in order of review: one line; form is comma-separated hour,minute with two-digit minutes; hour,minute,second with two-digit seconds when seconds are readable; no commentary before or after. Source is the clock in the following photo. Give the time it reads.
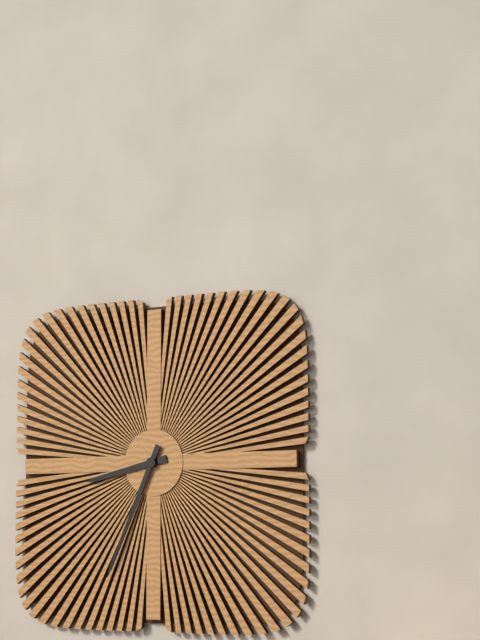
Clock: 8,34
